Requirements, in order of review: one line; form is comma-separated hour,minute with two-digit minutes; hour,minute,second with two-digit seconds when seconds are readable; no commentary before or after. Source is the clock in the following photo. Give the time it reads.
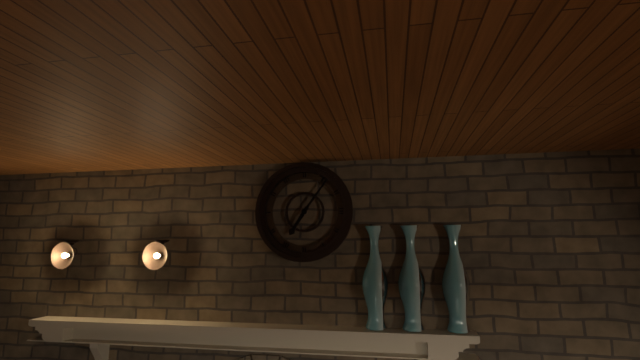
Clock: 7,06
